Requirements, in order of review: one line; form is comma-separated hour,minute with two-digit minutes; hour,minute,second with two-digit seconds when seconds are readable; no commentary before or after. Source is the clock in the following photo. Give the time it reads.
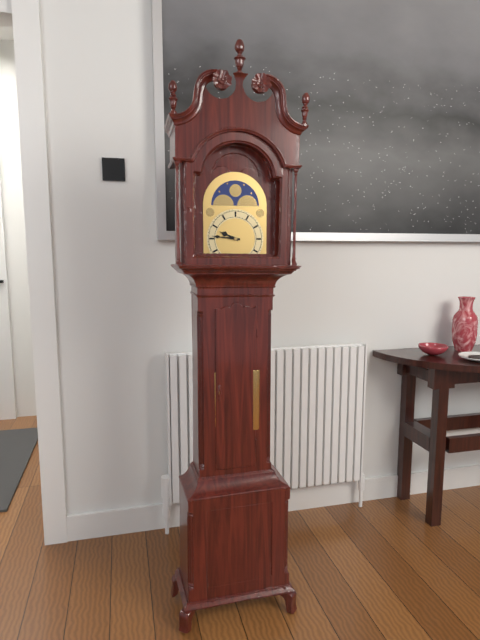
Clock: 9,46
